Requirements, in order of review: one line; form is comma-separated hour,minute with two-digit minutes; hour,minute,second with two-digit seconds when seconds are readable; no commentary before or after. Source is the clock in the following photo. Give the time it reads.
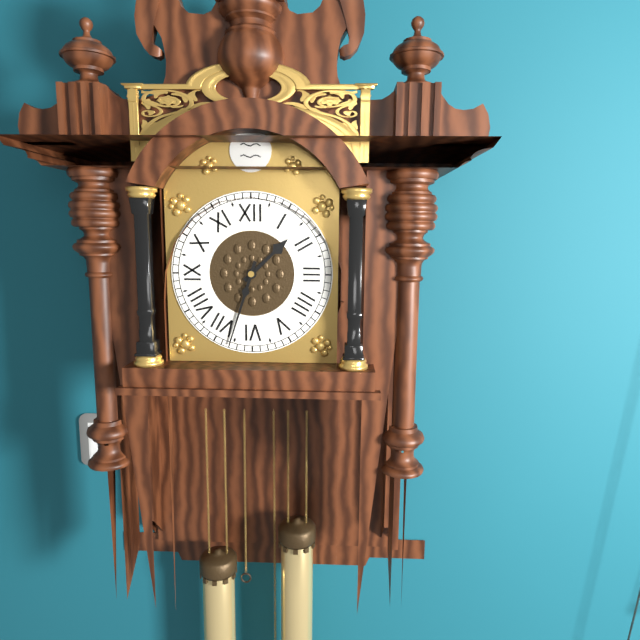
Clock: 1,33
